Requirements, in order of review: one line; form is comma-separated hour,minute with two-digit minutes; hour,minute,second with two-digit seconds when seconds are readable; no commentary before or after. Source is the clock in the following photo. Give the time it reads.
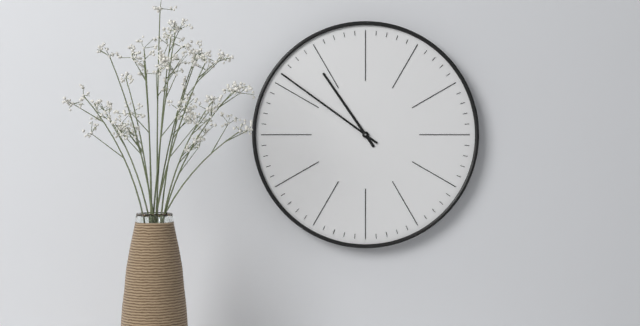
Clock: 10,51
